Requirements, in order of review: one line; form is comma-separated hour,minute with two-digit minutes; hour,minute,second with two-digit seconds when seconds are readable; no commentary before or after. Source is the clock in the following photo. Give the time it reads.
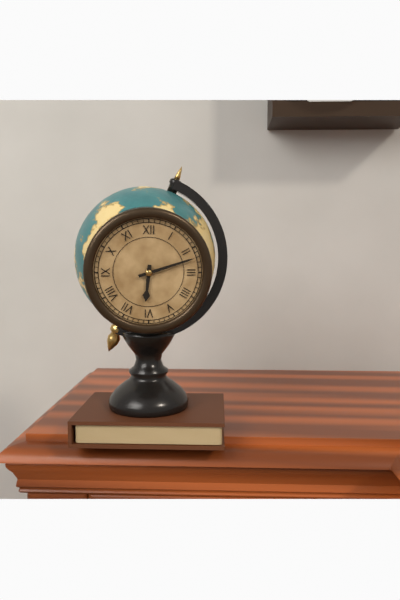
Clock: 6,12
